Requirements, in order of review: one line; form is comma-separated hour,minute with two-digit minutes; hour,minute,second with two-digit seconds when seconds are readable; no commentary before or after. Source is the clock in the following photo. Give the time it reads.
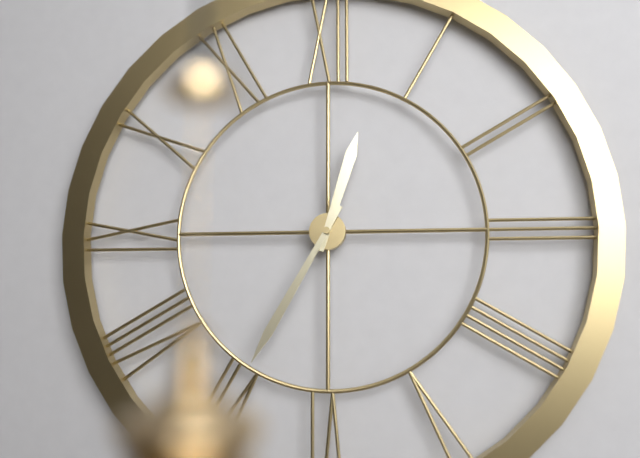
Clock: 12,35
